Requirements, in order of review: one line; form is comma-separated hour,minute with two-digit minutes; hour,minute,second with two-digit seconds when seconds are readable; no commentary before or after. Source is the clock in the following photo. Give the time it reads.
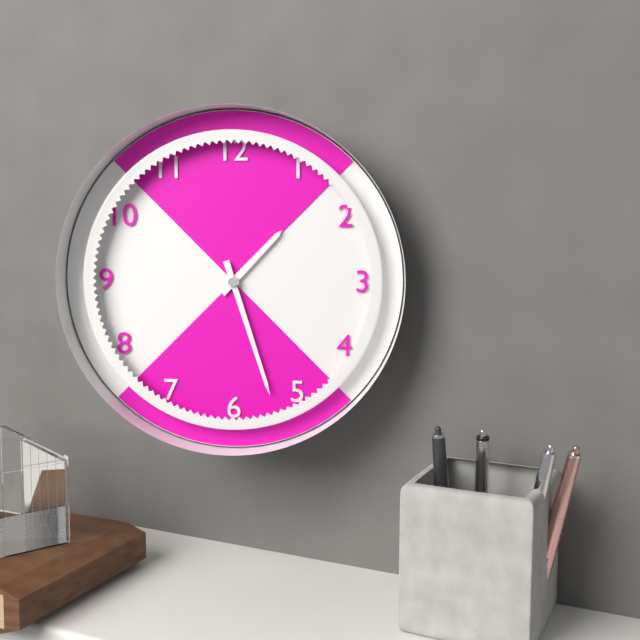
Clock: 1,27
